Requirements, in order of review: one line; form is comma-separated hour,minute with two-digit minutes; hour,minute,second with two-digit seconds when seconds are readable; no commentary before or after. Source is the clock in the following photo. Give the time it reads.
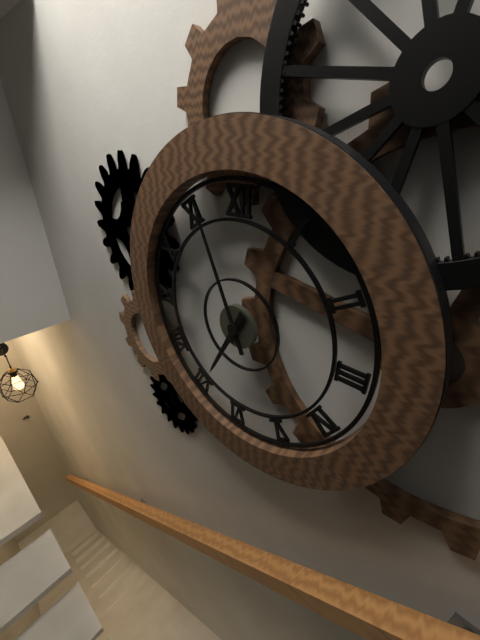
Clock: 6,56
